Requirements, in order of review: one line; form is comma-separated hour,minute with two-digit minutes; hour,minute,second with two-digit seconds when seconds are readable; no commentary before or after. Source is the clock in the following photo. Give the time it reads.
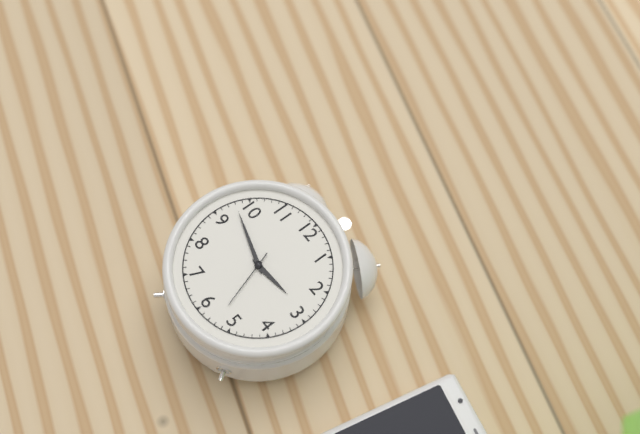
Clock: 2,48,27
